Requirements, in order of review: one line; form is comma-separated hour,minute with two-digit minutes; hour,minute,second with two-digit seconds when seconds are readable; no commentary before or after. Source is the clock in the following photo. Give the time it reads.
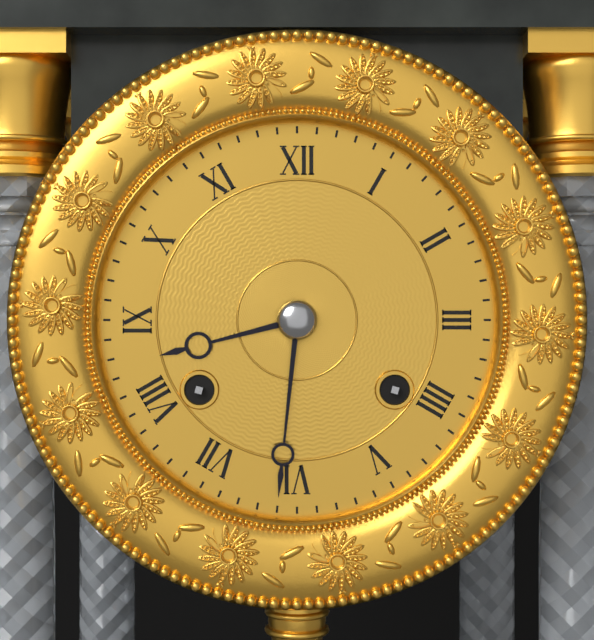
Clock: 8,31
